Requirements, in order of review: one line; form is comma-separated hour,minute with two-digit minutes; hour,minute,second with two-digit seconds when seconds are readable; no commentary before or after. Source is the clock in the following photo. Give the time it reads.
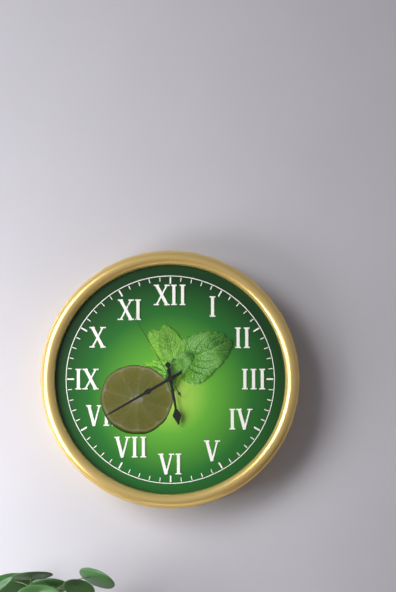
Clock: 5,40,55
